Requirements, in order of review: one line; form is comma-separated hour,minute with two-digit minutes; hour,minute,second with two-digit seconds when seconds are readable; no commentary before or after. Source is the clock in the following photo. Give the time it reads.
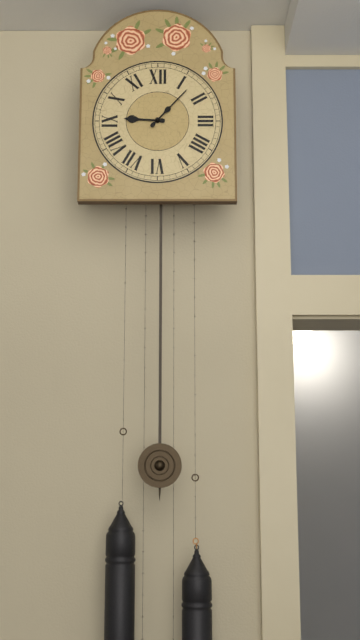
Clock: 9,07
